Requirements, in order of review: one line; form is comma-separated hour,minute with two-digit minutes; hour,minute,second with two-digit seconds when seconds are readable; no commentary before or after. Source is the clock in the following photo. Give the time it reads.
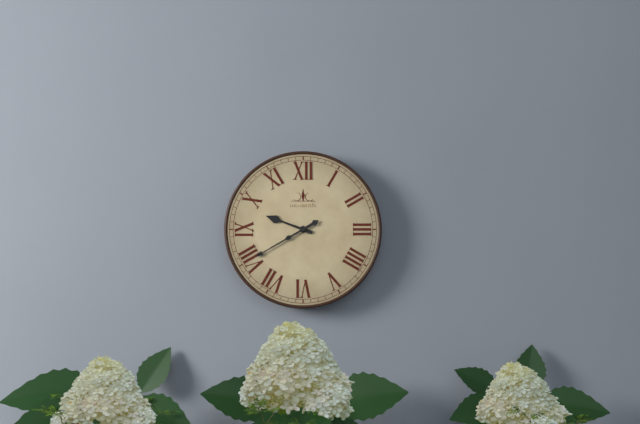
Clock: 9,40
